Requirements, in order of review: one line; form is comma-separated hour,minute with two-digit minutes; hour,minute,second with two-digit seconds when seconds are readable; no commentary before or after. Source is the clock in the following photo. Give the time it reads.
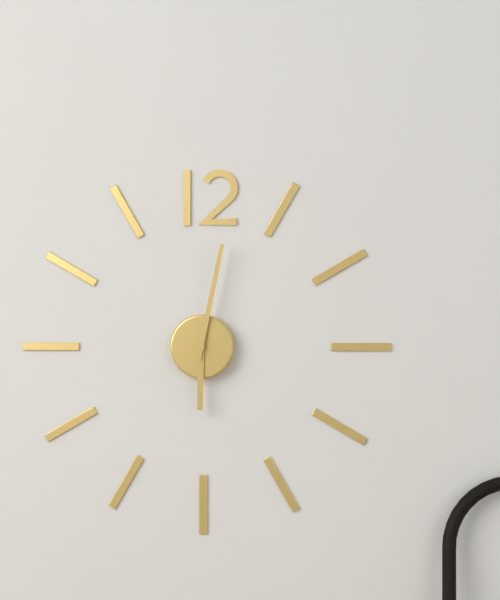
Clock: 6,02
